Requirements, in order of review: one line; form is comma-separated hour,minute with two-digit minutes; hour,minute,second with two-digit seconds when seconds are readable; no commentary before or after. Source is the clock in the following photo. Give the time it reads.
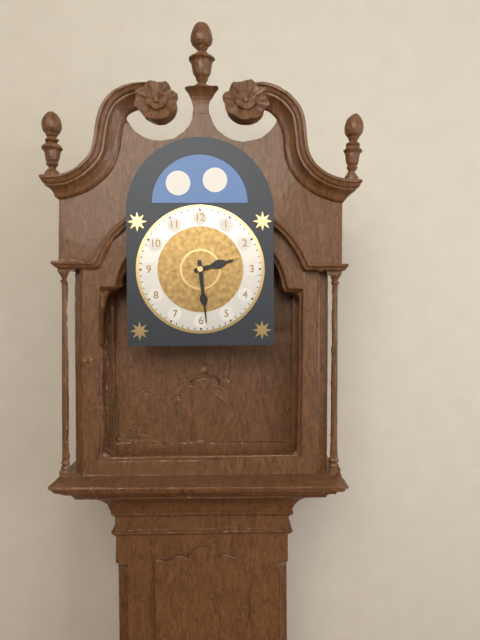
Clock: 2,29
